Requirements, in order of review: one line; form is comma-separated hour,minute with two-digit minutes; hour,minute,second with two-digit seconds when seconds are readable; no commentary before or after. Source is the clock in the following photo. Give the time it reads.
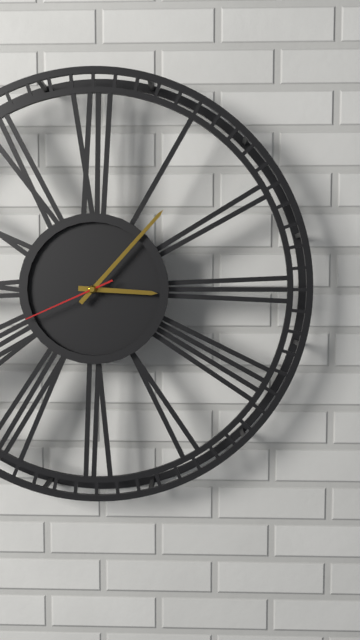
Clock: 3,07,41
